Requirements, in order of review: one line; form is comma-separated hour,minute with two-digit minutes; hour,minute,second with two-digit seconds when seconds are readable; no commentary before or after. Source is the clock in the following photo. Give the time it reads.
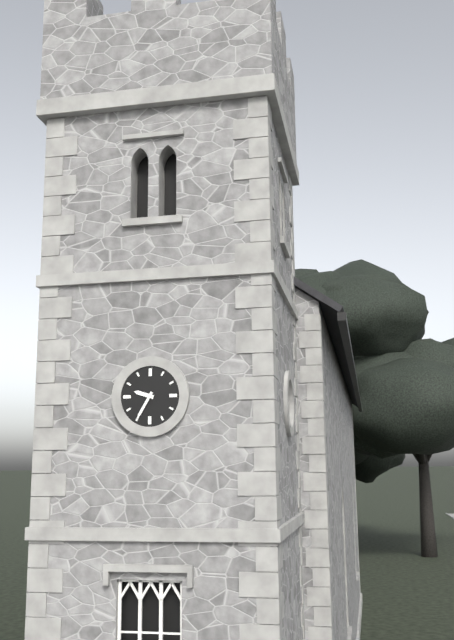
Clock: 9,35
